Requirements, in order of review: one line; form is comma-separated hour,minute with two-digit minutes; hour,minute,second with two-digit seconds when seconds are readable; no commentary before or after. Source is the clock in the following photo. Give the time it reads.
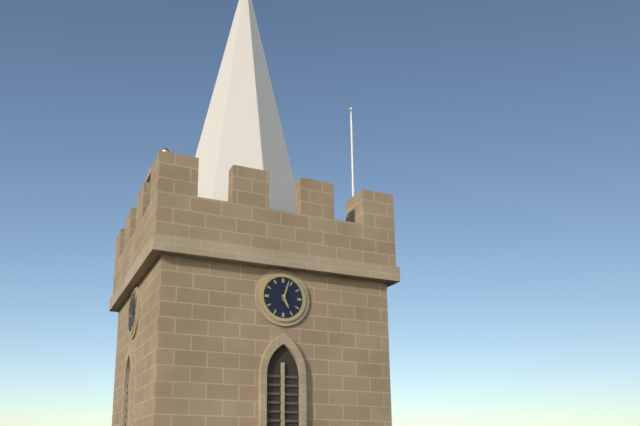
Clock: 5,03
